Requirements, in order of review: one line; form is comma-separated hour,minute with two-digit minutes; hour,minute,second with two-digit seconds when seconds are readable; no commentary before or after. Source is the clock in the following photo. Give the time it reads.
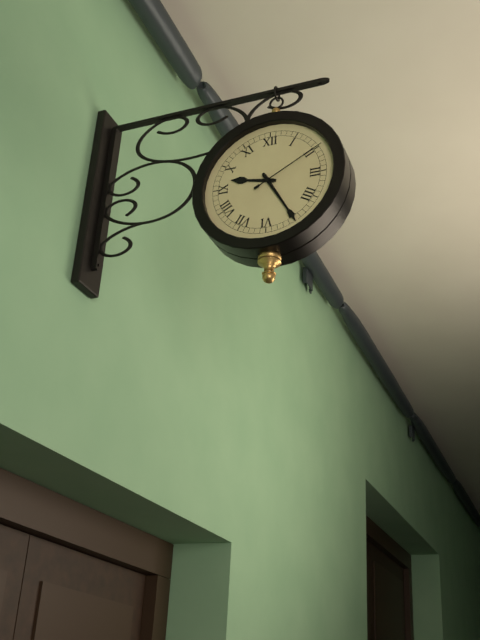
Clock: 9,25,10
